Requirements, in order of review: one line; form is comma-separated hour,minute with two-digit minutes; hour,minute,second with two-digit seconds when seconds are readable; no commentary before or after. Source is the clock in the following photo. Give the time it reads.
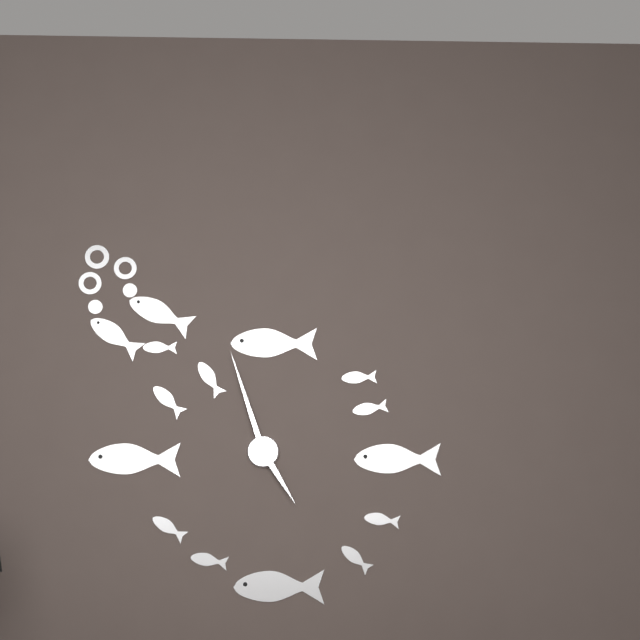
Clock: 4,57
